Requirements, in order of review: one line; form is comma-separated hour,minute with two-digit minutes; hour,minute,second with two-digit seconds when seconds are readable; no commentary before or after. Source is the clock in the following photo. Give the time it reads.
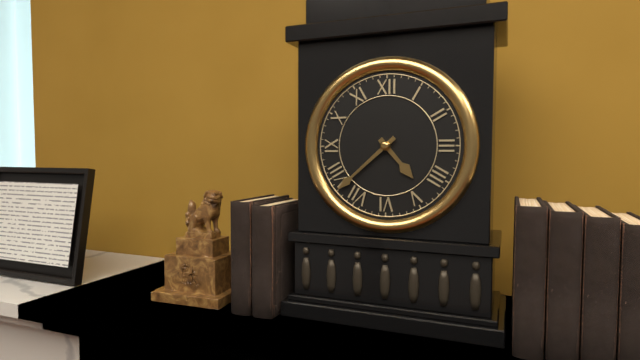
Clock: 4,38
